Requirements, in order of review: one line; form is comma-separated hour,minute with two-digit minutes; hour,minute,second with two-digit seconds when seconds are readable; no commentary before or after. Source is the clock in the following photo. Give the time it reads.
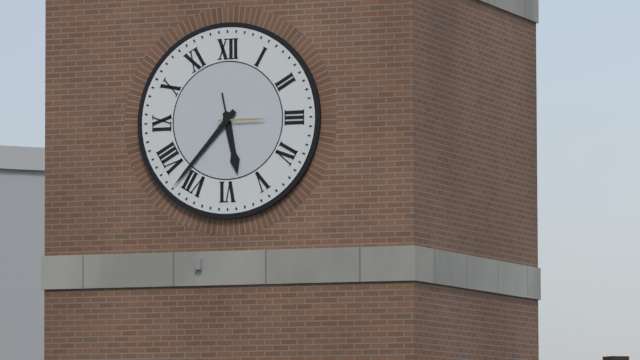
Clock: 5,37
